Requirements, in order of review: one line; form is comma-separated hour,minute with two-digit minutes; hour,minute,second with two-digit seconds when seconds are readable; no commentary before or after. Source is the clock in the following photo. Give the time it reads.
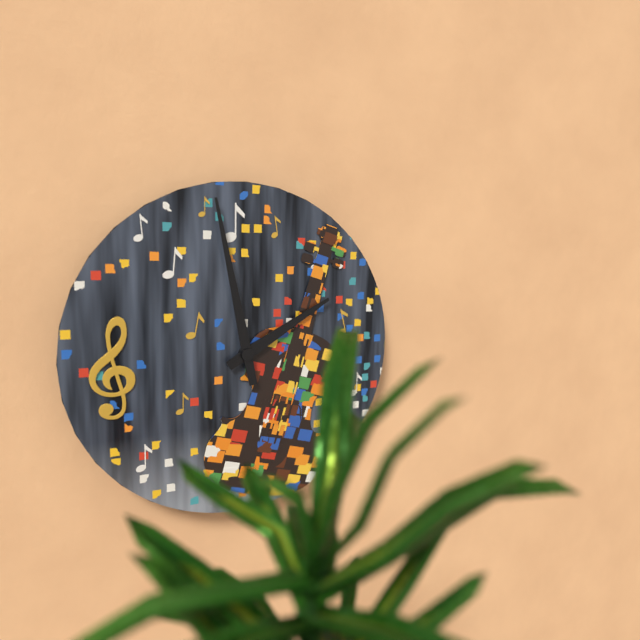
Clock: 1,58
